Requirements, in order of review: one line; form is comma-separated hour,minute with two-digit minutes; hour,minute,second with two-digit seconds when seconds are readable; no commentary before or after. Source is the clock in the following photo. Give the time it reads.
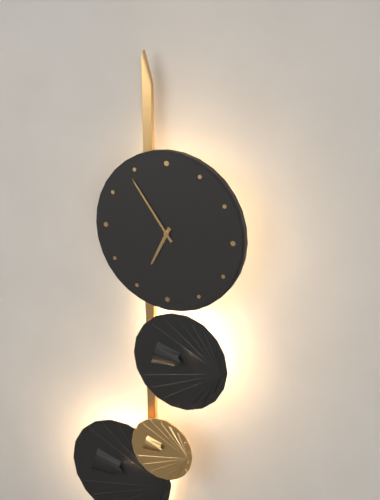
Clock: 6,54
